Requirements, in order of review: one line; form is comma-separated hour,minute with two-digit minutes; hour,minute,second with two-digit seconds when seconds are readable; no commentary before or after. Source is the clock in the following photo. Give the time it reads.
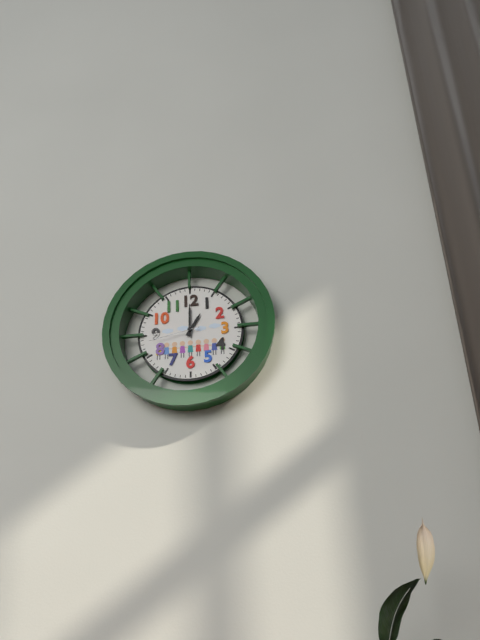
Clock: 1,00,43
